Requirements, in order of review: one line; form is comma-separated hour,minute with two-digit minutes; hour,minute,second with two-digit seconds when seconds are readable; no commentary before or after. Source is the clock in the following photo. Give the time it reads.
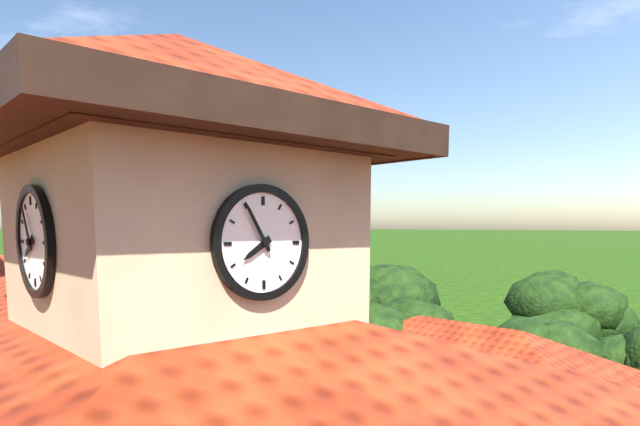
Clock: 7,55
